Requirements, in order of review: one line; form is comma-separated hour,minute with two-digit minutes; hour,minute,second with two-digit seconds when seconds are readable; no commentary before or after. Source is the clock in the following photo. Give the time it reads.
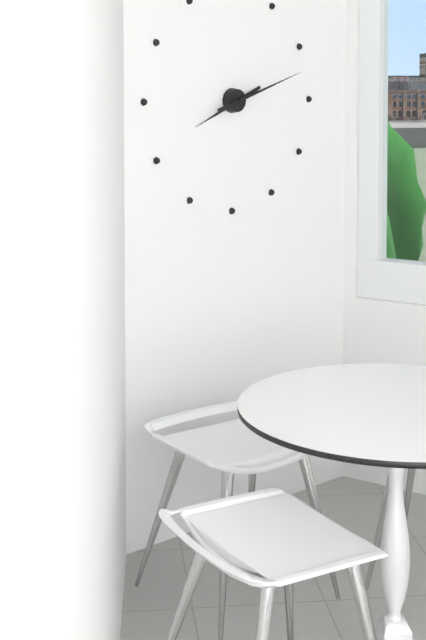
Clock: 8,12
